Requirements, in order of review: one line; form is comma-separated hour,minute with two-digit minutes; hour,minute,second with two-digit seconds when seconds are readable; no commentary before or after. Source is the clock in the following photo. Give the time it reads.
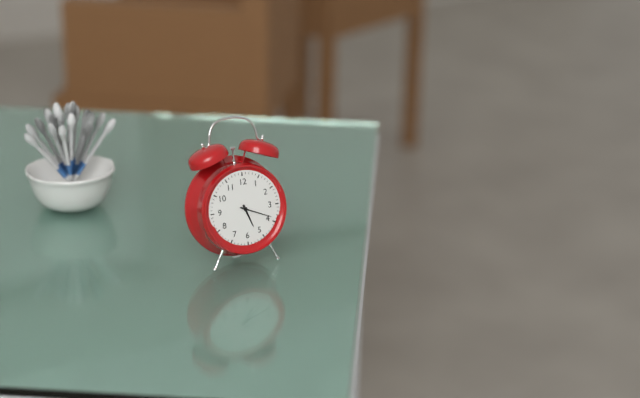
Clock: 5,19
